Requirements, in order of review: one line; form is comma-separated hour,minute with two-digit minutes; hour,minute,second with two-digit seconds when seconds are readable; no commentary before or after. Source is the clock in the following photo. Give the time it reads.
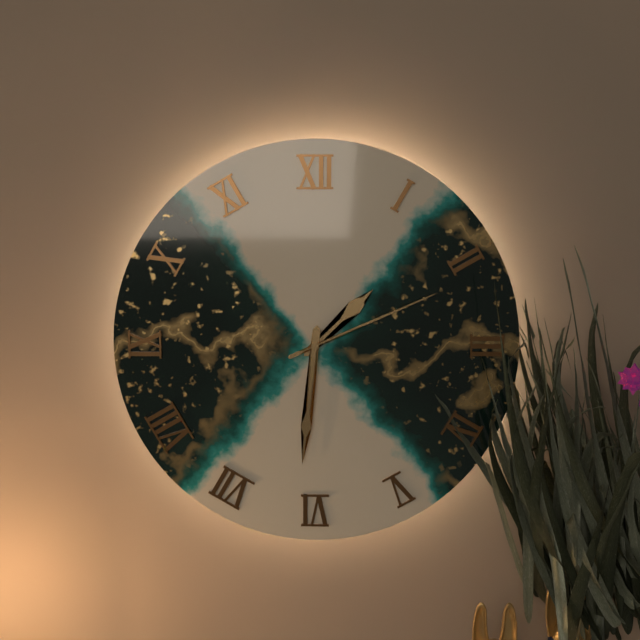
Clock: 1,31,11
